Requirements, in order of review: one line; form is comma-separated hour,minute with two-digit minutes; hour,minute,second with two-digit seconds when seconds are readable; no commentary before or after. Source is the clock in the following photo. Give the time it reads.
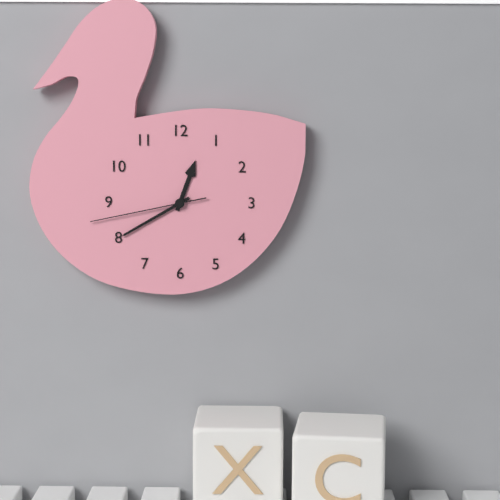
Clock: 12,40,43
